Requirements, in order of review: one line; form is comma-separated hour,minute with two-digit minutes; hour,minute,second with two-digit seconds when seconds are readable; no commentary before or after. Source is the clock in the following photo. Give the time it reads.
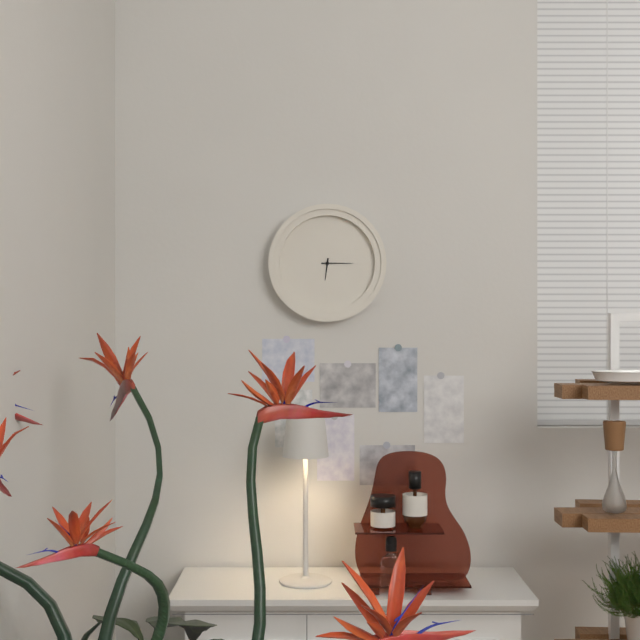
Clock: 6,15
